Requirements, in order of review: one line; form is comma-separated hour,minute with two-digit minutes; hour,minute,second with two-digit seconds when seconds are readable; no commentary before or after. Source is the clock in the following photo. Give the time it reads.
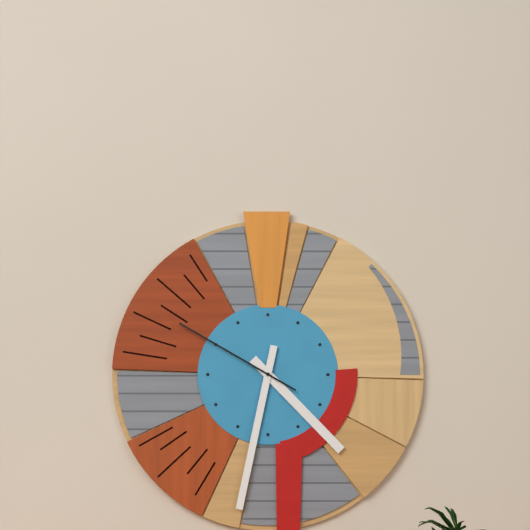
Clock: 4,32,50
